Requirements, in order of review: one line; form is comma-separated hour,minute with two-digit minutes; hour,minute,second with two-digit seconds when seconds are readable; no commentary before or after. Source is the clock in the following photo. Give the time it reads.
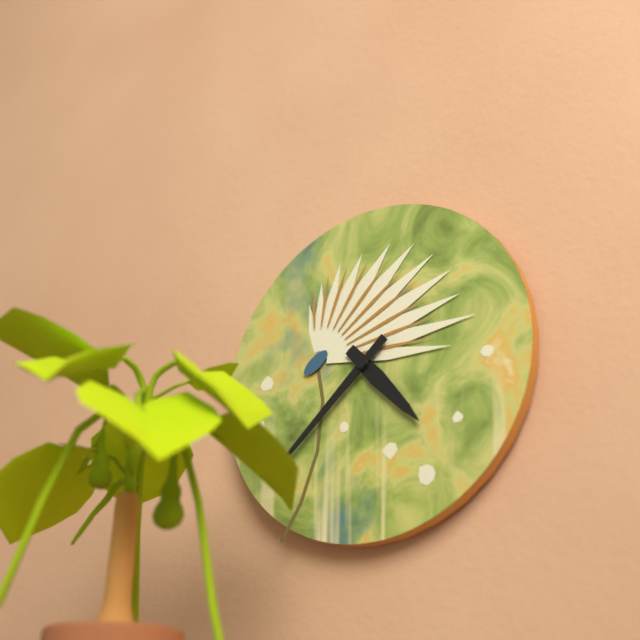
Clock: 4,38
